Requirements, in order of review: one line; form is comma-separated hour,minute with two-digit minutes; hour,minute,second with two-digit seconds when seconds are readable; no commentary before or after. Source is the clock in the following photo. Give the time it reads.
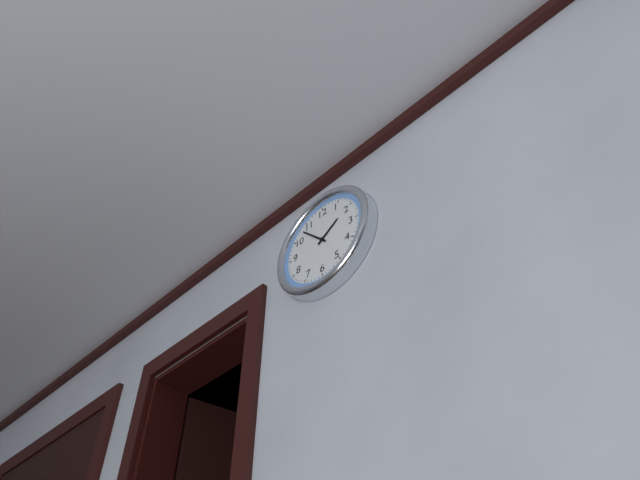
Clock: 1,53
